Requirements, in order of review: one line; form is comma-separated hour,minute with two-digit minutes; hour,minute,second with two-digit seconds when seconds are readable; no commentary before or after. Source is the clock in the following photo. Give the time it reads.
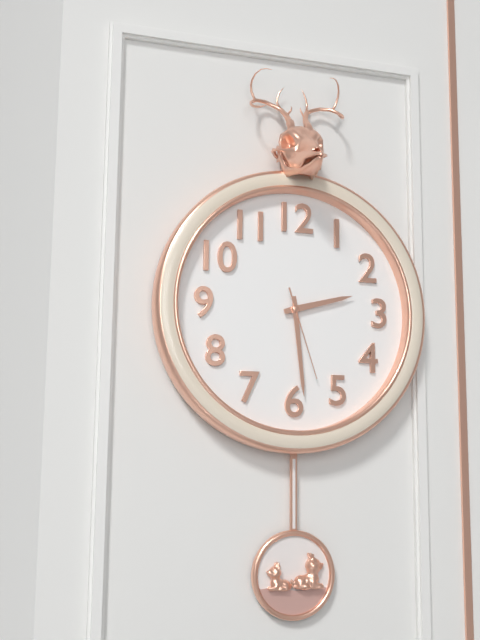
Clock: 2,29,27
